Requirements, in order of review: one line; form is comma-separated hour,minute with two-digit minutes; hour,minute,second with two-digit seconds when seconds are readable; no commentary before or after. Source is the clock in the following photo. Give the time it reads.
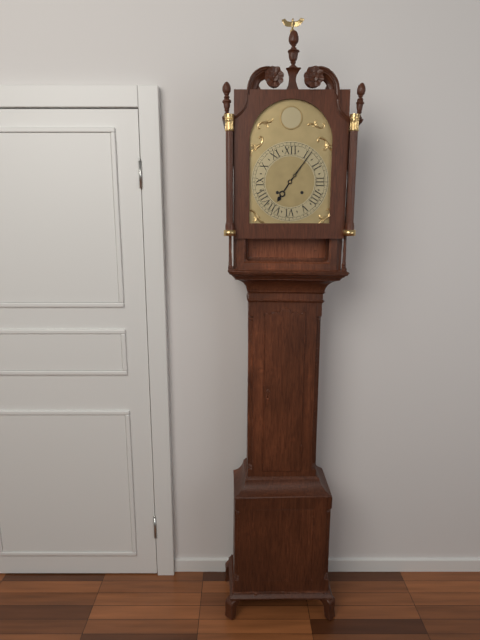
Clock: 7,06
